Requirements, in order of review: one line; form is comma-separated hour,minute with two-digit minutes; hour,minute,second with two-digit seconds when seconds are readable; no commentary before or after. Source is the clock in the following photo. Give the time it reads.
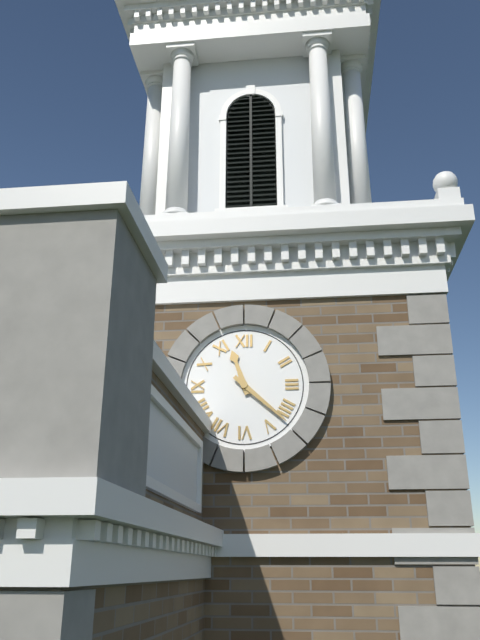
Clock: 11,22
